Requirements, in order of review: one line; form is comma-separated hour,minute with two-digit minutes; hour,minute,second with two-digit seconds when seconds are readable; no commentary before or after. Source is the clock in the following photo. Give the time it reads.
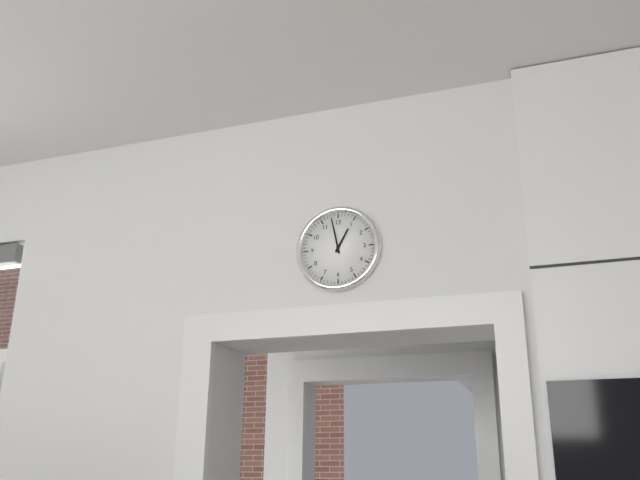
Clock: 12,58
